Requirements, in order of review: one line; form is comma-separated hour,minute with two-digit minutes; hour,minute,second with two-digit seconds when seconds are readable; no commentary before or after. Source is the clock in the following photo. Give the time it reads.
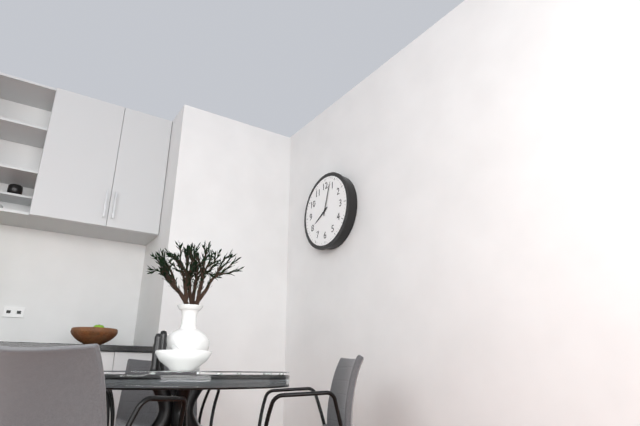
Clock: 8,03
